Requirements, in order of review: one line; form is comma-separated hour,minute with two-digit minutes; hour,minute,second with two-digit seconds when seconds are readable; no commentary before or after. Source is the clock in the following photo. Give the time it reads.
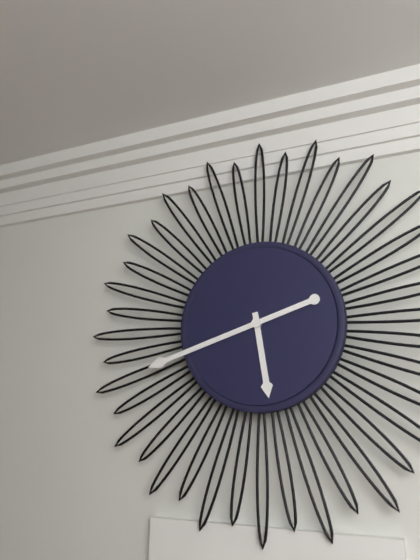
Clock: 5,42
